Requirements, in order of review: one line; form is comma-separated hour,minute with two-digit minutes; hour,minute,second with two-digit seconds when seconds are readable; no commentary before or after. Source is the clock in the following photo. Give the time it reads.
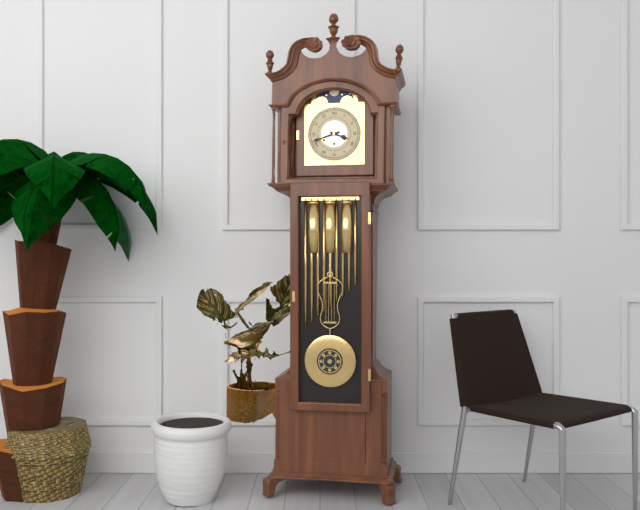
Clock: 3,42
